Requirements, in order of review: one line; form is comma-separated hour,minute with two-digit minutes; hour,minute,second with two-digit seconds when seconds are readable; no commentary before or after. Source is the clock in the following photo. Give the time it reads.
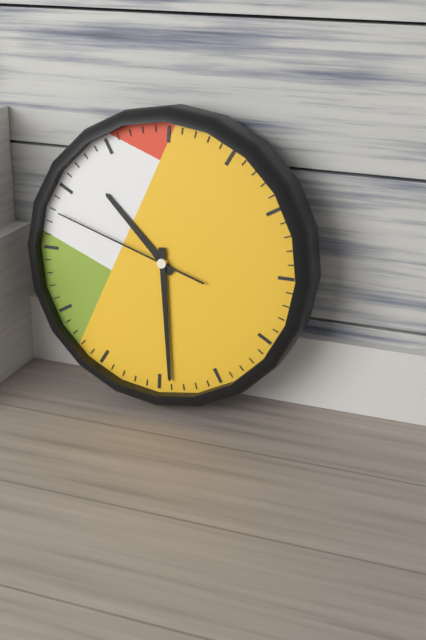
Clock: 10,29,48
